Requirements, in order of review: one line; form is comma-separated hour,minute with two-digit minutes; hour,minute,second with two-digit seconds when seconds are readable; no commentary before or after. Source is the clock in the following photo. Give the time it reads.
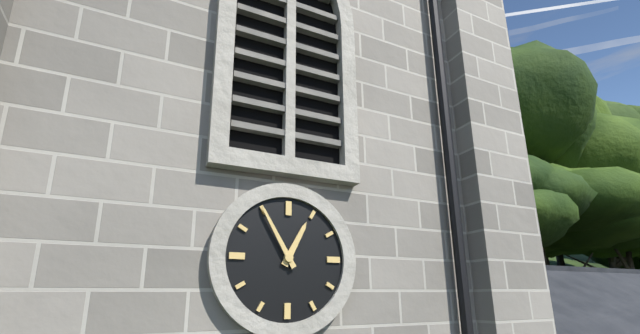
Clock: 12,55
